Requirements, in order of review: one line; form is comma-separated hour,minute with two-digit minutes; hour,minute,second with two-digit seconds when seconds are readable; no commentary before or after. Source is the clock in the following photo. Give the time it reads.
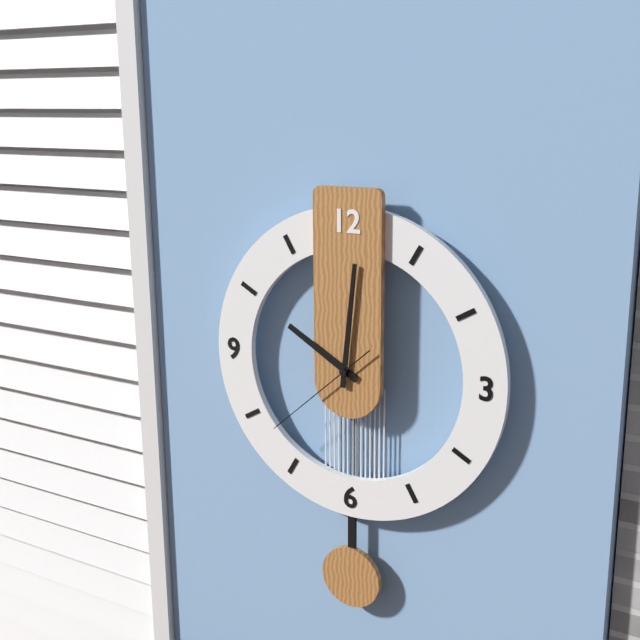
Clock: 10,01,38
